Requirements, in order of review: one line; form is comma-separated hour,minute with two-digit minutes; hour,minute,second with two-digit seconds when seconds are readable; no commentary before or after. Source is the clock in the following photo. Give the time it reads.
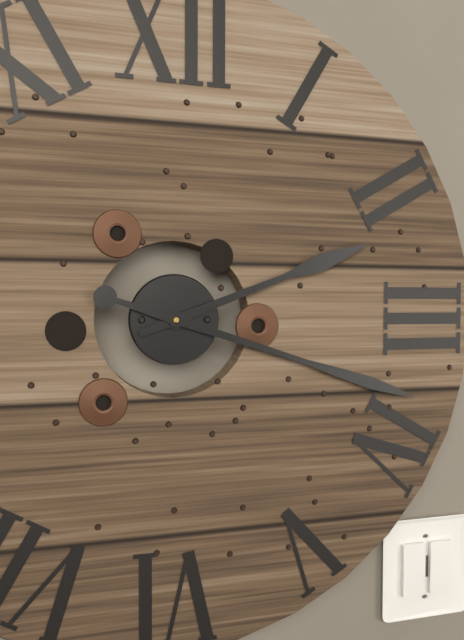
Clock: 2,18
